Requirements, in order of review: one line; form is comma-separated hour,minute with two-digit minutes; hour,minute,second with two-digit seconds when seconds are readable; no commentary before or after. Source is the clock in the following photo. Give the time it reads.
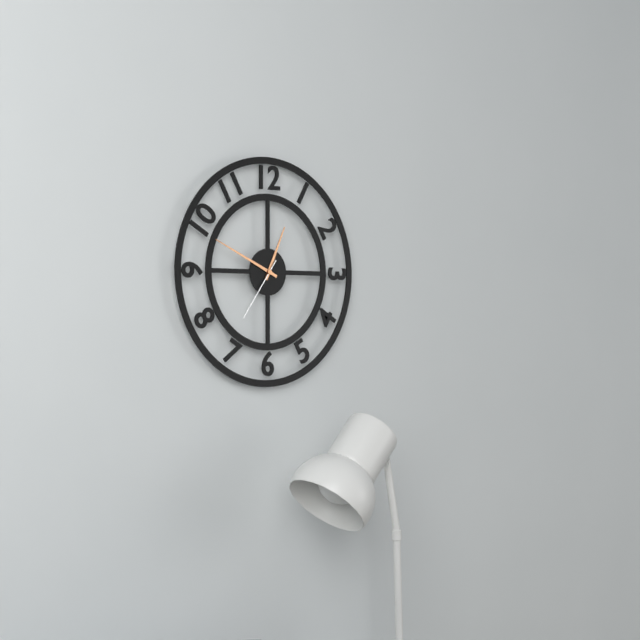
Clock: 12,49,36
